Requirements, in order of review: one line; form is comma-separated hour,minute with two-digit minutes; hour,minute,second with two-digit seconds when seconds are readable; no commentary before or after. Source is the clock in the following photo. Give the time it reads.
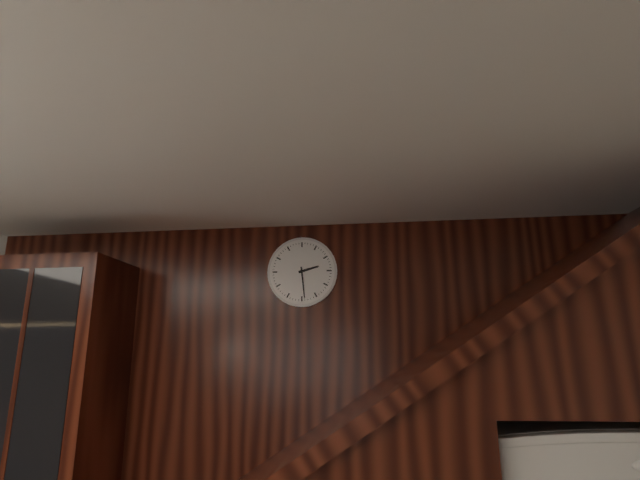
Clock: 2,29
